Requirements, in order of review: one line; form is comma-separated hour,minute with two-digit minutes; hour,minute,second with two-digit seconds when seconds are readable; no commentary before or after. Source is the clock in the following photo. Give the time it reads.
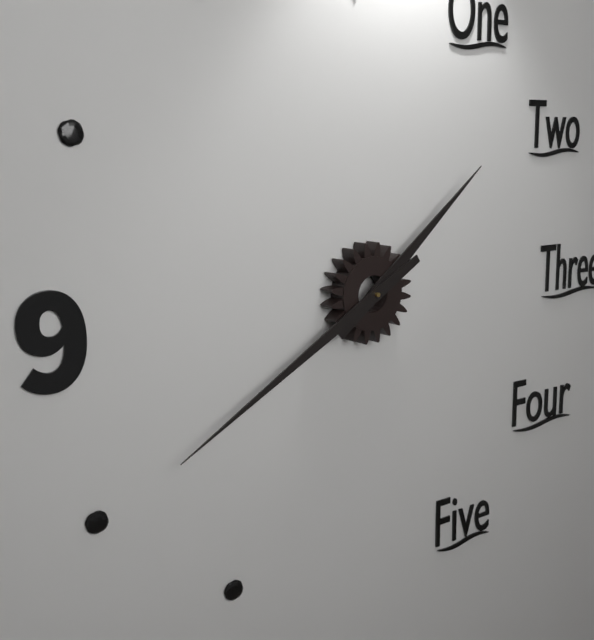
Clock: 1,40
